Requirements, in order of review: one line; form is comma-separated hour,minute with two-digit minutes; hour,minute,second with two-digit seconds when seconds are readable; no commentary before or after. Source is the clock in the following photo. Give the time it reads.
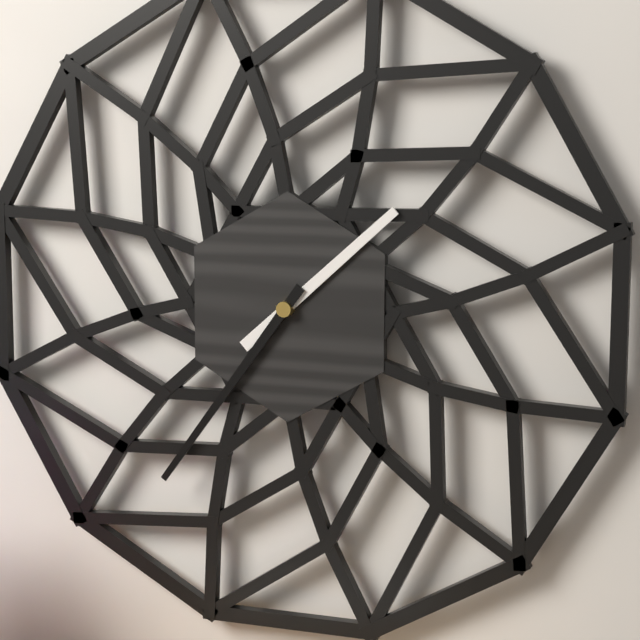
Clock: 1,36
